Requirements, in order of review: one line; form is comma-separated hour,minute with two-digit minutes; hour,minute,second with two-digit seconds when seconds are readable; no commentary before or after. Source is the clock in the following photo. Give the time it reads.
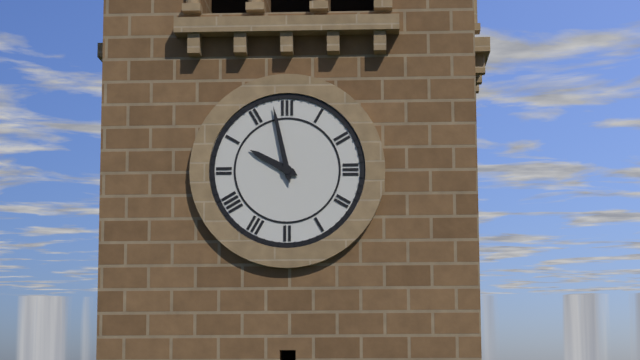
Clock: 9,58
